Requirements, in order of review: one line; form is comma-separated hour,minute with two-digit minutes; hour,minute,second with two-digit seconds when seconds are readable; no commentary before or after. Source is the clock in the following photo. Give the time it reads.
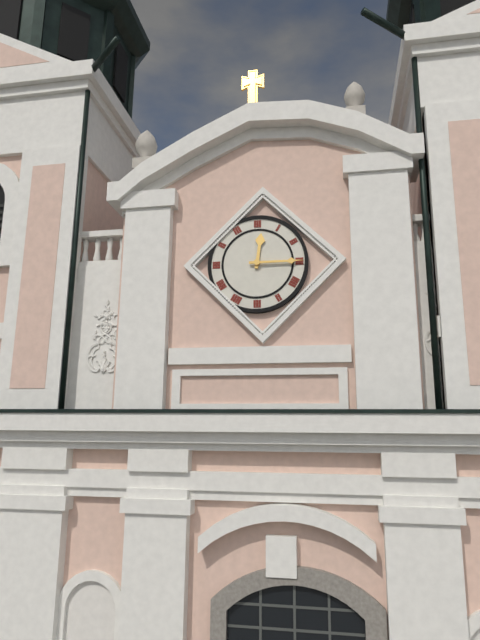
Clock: 12,15
